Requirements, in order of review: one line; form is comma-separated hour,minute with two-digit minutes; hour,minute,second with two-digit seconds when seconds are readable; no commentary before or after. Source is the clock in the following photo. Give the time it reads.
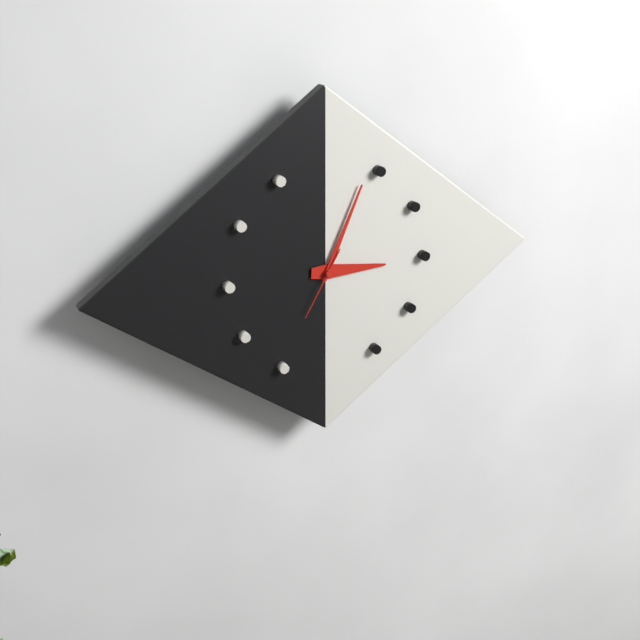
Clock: 3,04,35
